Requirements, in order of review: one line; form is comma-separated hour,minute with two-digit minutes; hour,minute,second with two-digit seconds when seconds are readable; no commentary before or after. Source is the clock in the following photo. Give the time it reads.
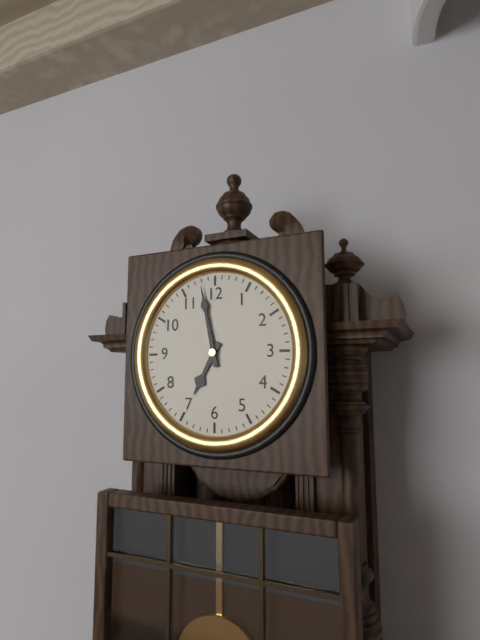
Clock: 6,58
